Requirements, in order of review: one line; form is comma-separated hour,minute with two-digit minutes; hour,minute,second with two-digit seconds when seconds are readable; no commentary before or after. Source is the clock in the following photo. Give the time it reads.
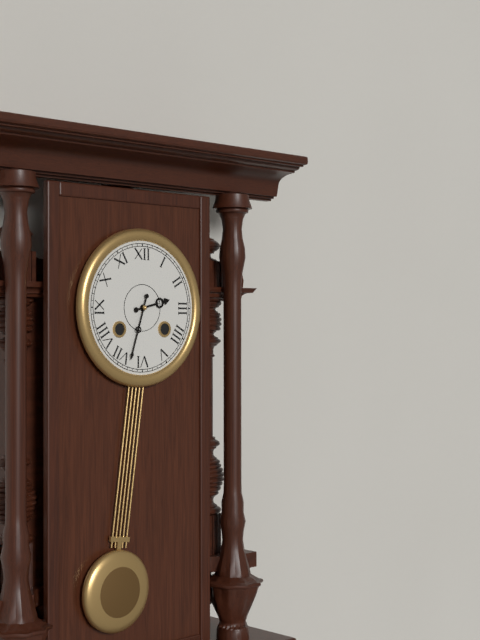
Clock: 2,33
